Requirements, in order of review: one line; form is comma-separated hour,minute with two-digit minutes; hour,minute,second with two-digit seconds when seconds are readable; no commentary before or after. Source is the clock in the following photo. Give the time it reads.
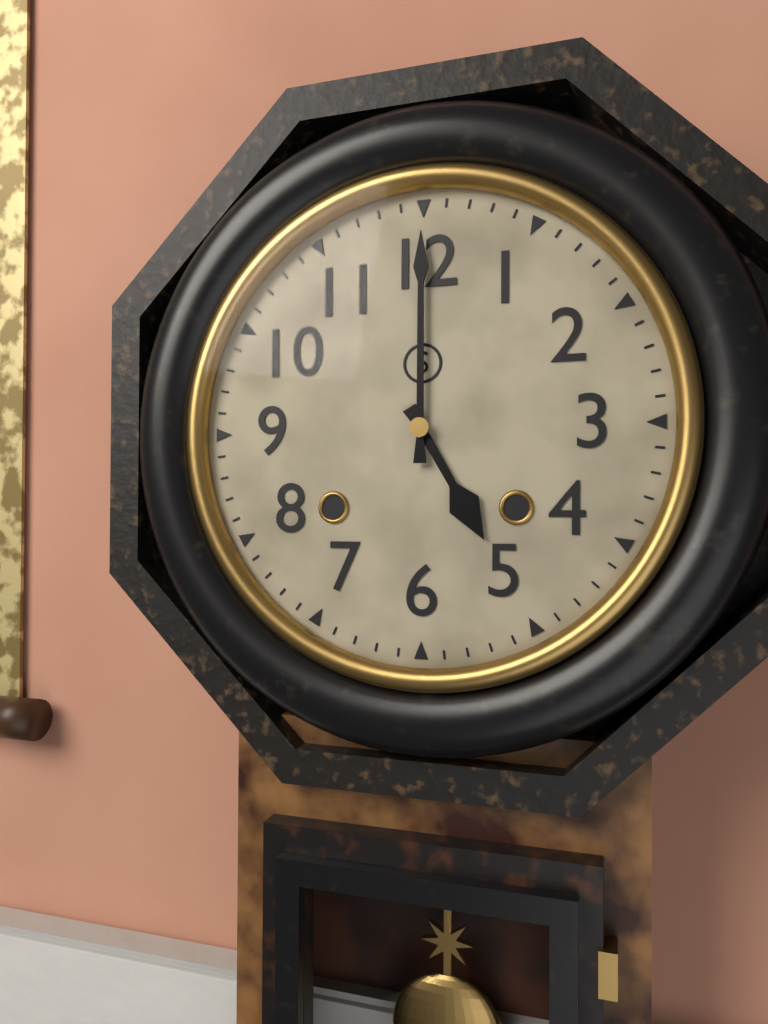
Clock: 5,00
